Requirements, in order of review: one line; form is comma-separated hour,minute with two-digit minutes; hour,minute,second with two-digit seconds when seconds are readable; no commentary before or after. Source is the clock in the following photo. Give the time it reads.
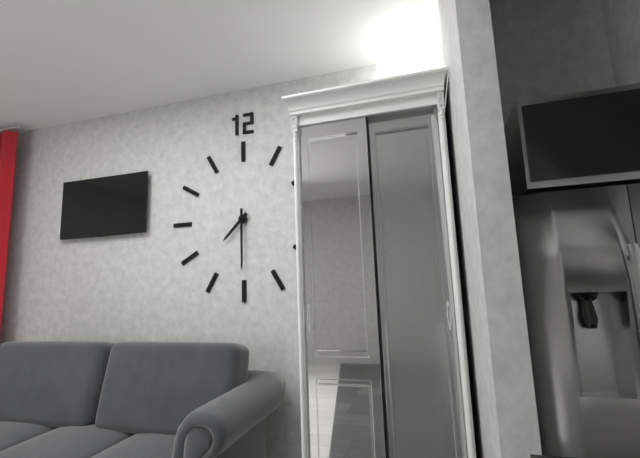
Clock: 7,30
